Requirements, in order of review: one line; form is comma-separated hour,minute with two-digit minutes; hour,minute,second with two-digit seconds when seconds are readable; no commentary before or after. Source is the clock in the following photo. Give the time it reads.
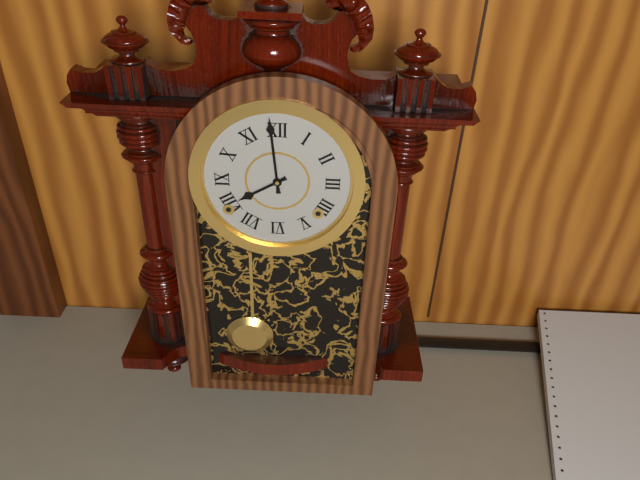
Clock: 7,59
